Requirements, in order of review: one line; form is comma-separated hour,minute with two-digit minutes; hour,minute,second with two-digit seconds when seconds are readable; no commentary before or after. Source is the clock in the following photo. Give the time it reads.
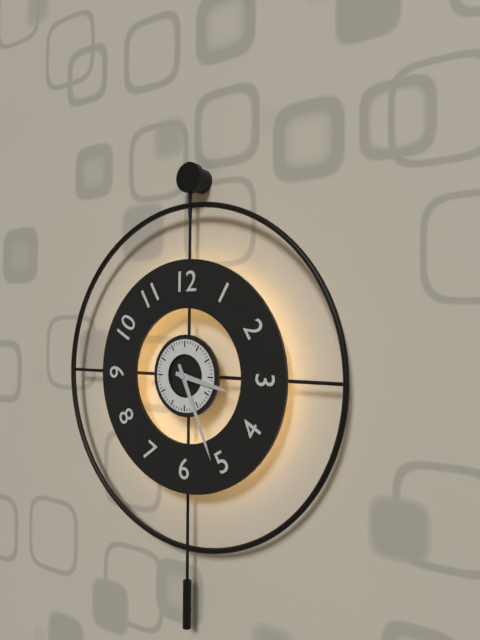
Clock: 3,26
